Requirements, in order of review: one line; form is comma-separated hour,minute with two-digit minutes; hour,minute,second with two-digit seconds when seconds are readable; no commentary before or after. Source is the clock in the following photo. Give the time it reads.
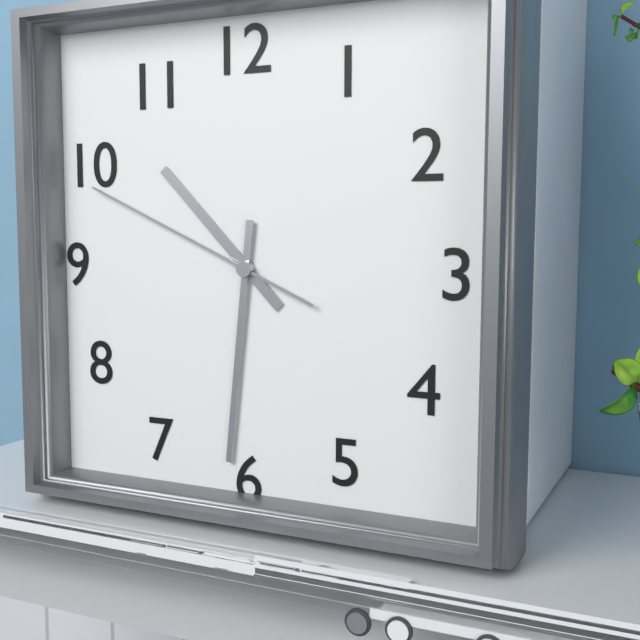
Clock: 10,31,49
